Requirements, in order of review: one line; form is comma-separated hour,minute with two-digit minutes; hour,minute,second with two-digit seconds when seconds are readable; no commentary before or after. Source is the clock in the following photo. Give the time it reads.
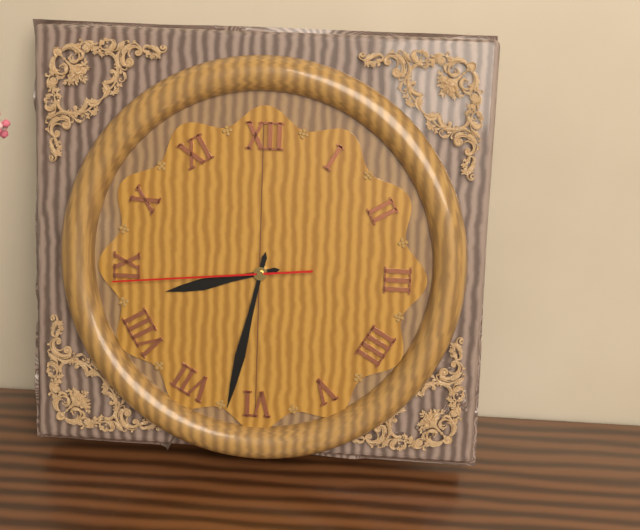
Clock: 8,32,44
